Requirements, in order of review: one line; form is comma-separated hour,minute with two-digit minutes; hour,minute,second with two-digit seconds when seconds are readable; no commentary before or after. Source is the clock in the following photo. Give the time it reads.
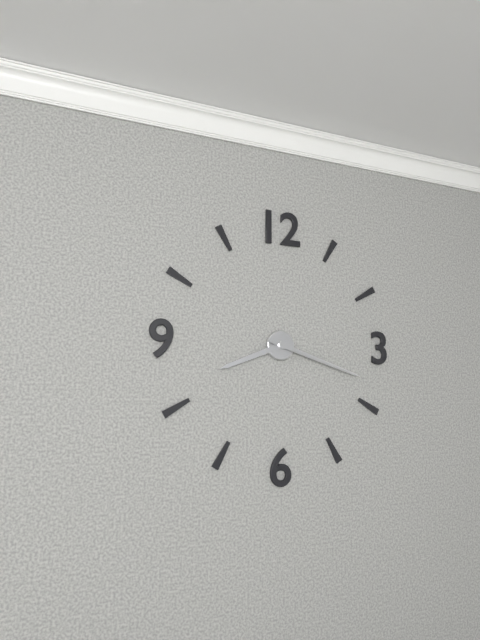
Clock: 8,18
